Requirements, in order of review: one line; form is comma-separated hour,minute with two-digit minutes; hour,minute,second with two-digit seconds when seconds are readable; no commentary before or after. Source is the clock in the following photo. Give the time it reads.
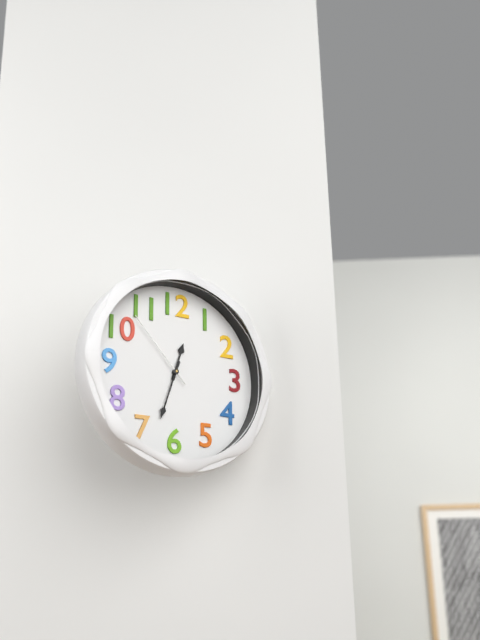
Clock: 12,33,53
